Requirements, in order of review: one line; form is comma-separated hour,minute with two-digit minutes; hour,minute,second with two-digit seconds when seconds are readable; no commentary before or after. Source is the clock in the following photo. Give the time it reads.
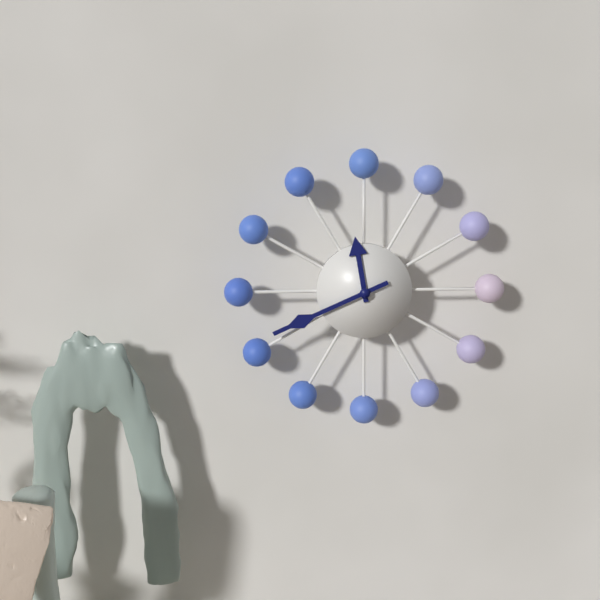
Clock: 11,41
